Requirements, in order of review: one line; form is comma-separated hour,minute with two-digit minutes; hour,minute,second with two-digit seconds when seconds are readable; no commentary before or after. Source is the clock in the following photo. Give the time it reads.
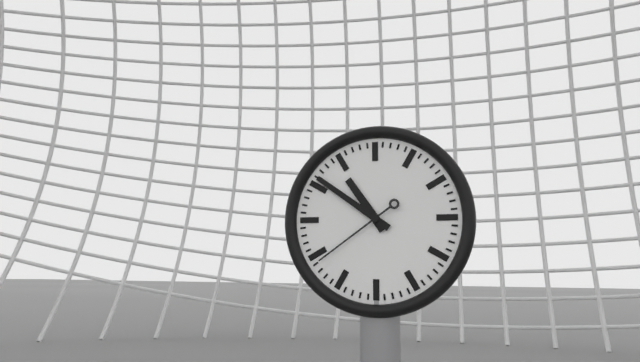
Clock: 10,51,39
